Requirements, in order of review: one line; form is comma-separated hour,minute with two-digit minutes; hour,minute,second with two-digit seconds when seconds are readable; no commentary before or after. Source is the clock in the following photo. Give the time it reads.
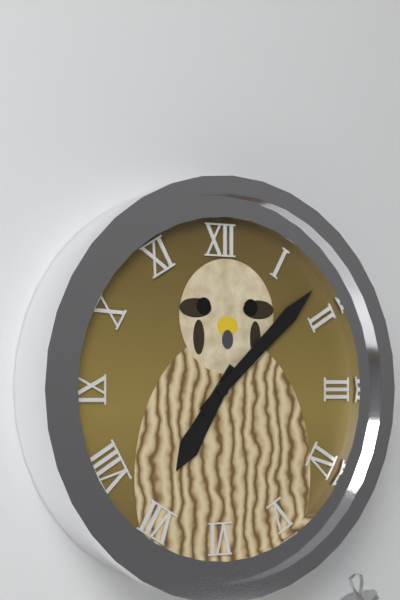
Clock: 7,08
